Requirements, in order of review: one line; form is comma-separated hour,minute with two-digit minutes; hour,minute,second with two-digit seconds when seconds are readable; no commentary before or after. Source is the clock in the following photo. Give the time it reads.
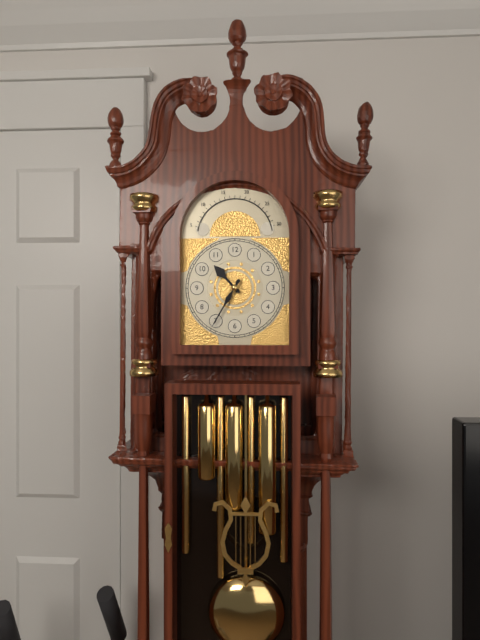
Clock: 10,35
